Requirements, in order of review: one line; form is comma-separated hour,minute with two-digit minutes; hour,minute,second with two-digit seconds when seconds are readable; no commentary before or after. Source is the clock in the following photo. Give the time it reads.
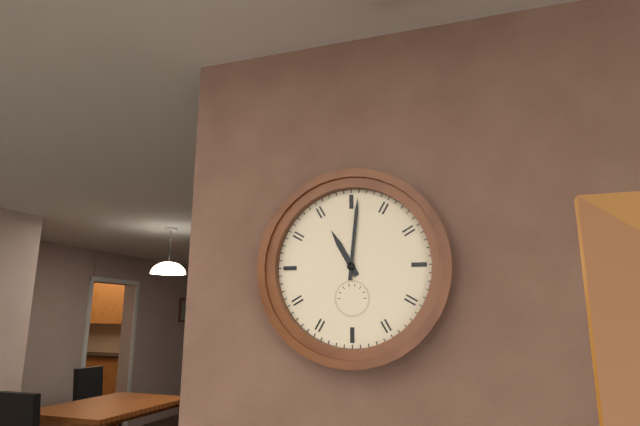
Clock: 11,01
